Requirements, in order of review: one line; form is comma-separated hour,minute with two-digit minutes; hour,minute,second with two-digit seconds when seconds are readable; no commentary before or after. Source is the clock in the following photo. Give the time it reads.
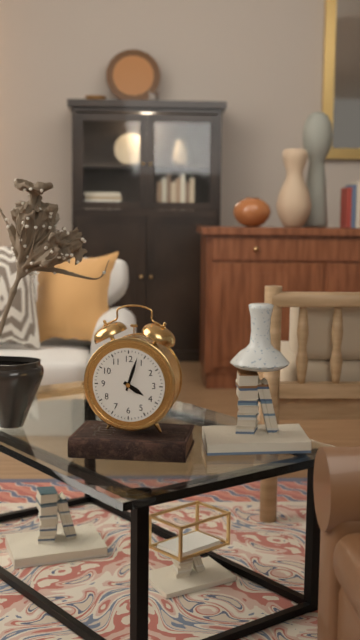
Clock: 4,03
